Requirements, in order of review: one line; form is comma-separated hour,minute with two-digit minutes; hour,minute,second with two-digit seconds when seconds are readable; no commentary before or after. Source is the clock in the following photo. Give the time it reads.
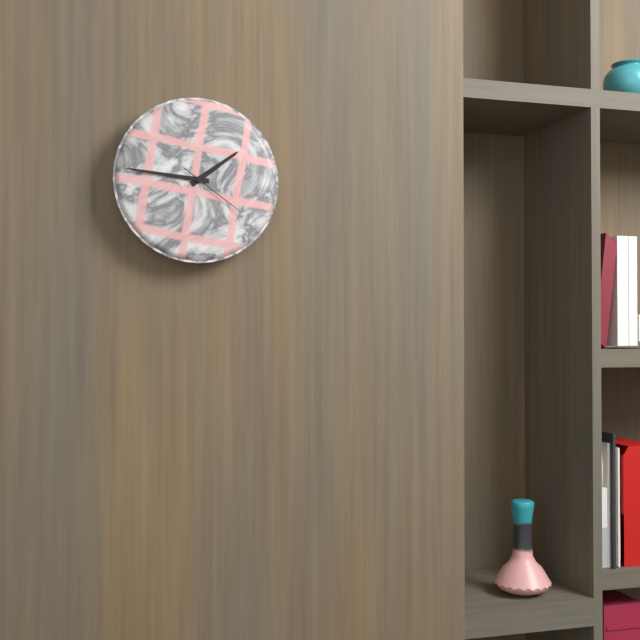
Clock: 1,46,21
